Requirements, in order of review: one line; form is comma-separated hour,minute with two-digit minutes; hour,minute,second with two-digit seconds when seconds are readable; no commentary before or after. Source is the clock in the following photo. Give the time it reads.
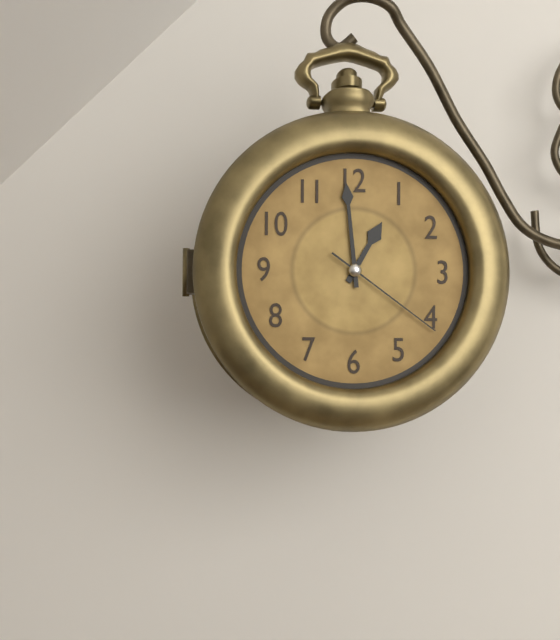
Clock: 12,59,21
